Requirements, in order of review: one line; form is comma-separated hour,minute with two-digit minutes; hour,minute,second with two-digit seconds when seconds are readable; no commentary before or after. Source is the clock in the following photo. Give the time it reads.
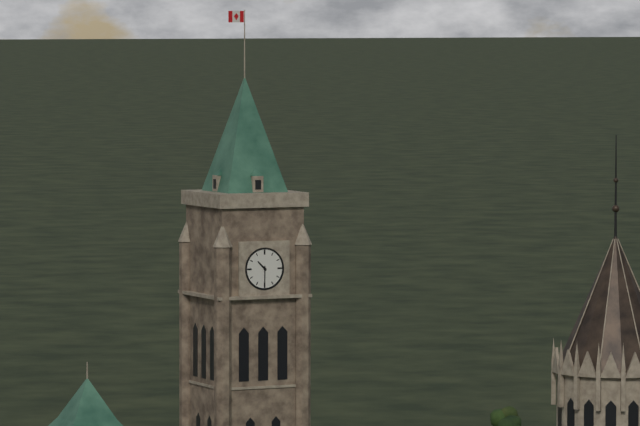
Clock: 10,30
